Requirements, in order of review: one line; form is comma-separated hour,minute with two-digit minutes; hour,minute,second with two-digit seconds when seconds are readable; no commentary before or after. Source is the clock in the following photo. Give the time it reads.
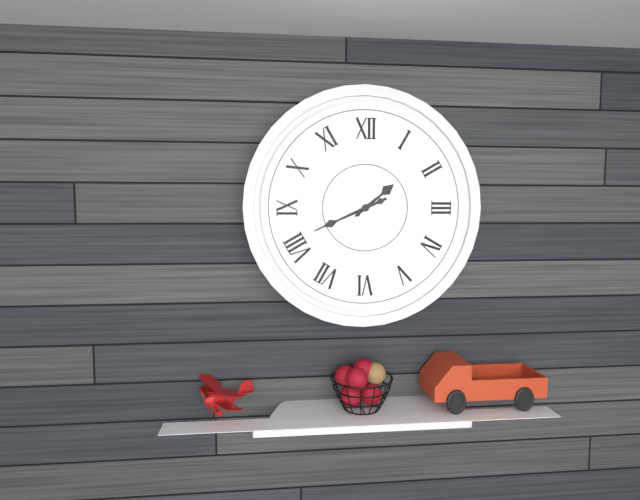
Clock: 1,41
